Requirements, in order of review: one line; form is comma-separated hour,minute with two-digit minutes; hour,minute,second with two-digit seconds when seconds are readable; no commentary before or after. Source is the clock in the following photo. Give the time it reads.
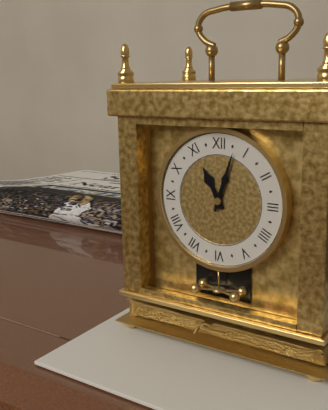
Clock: 11,03
